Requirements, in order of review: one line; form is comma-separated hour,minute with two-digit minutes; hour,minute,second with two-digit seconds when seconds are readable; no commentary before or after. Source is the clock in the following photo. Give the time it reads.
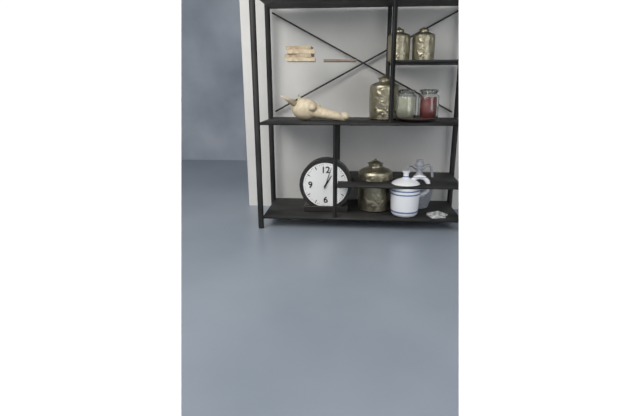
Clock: 1,03
